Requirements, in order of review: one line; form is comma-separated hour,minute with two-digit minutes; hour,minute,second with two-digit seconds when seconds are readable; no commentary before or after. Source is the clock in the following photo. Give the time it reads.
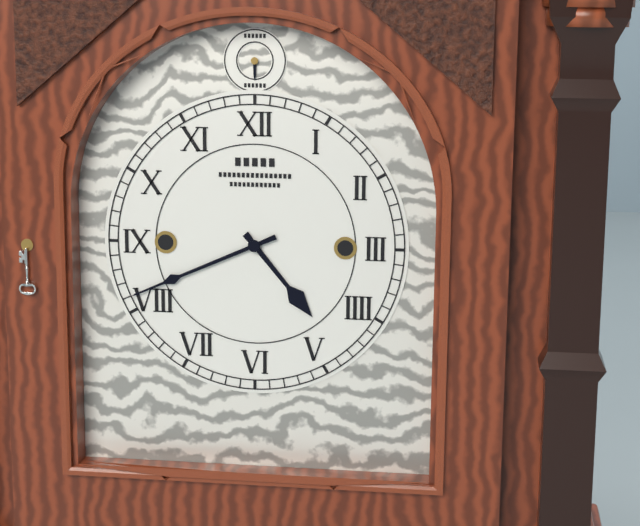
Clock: 4,41
